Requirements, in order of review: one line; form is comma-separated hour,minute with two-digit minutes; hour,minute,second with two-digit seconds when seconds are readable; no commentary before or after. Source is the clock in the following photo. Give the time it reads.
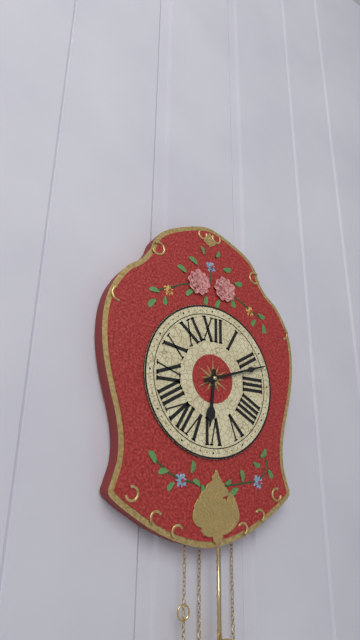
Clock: 6,12
